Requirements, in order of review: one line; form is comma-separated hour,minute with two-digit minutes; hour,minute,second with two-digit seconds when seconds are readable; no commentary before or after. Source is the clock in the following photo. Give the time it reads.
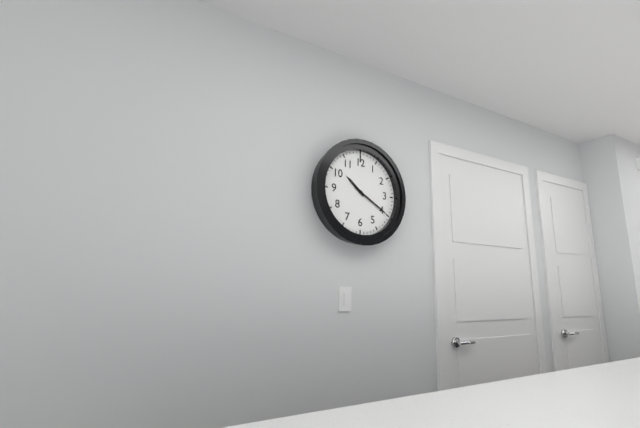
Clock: 10,20
